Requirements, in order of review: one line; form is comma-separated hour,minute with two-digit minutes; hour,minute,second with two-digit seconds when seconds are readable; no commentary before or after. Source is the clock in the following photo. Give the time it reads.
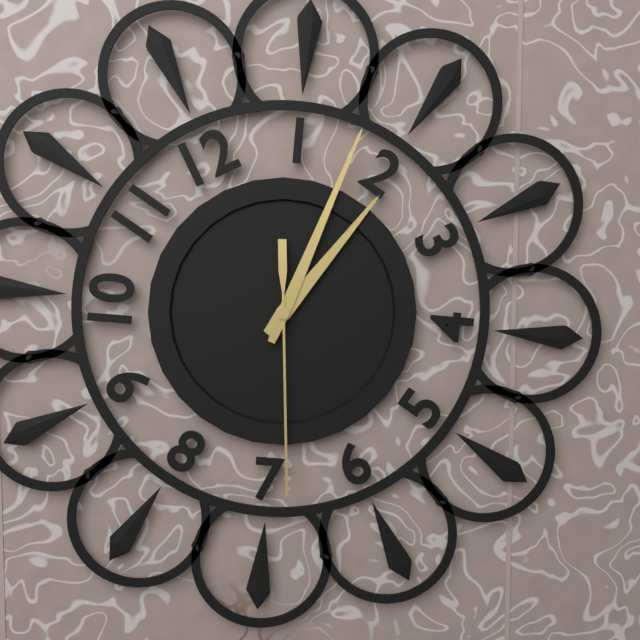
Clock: 2,08,34
